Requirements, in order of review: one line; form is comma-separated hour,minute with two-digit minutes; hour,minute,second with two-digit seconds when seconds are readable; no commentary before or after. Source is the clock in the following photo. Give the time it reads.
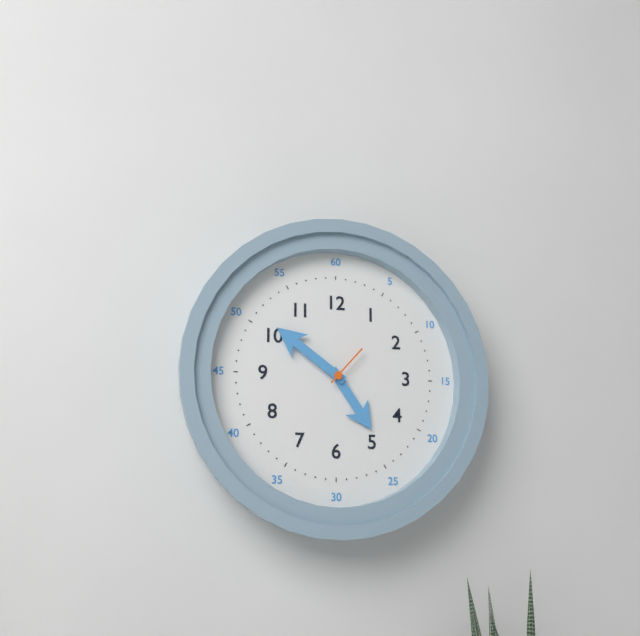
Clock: 4,51,07
